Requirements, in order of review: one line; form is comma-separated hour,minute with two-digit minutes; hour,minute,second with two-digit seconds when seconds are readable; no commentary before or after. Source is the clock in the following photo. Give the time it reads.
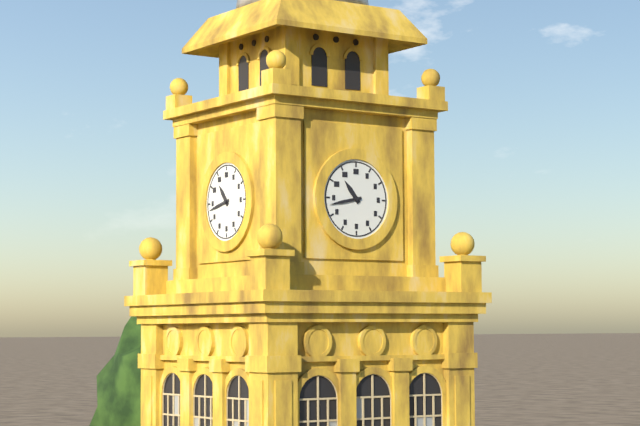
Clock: 10,43
